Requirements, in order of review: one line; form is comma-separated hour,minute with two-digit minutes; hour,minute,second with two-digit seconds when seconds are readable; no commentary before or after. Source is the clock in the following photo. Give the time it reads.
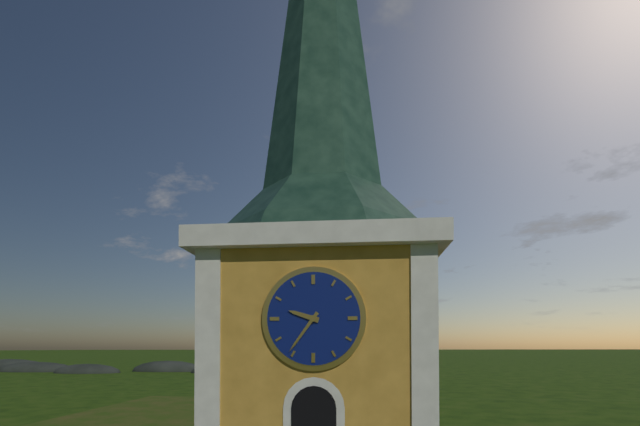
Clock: 9,36
